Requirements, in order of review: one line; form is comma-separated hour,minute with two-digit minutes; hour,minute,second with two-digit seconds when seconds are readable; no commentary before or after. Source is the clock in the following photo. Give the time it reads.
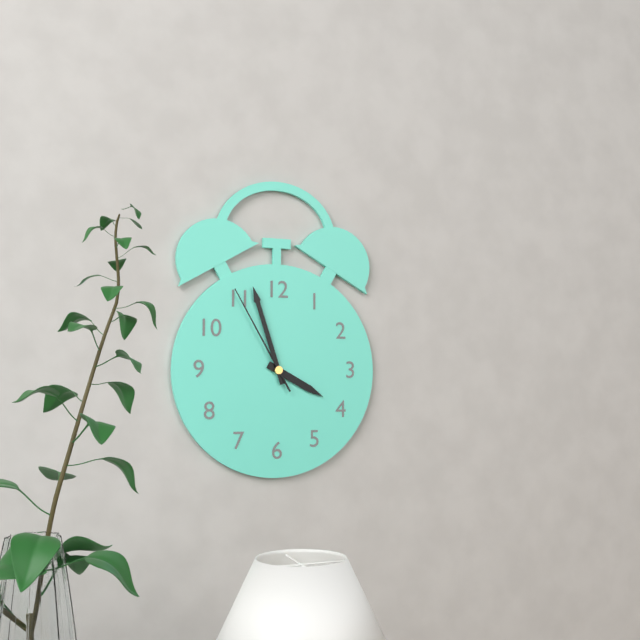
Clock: 3,57,55
